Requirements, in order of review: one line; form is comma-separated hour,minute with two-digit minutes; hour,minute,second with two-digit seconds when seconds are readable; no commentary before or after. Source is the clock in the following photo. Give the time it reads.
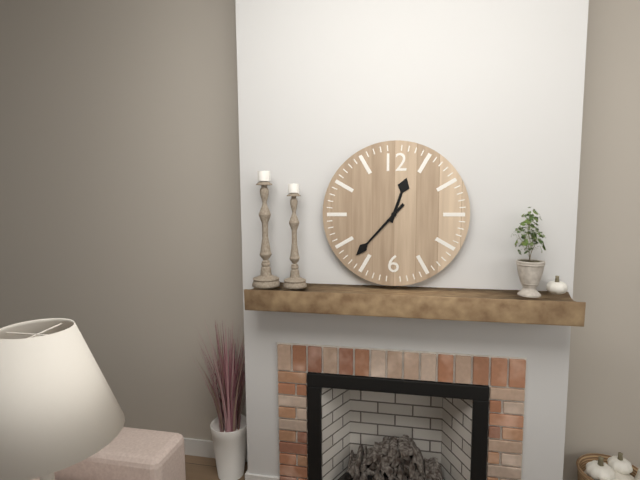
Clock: 12,37
